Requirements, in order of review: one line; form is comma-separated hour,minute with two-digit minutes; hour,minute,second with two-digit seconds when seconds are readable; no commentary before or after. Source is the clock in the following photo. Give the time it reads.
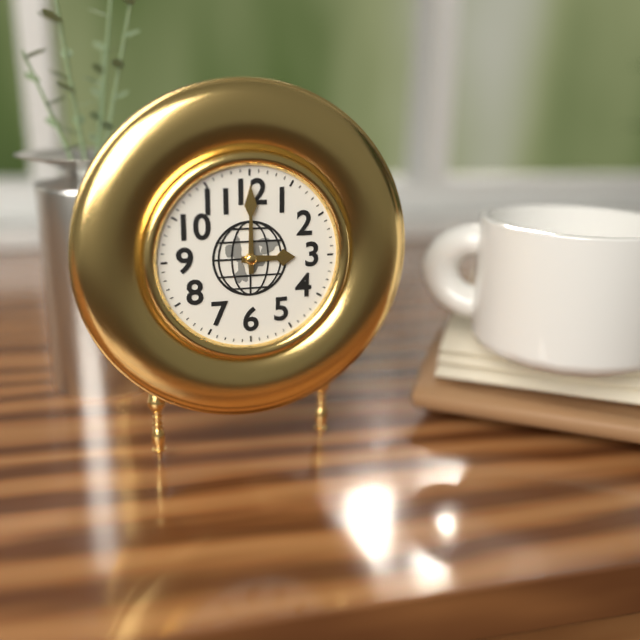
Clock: 3,00
